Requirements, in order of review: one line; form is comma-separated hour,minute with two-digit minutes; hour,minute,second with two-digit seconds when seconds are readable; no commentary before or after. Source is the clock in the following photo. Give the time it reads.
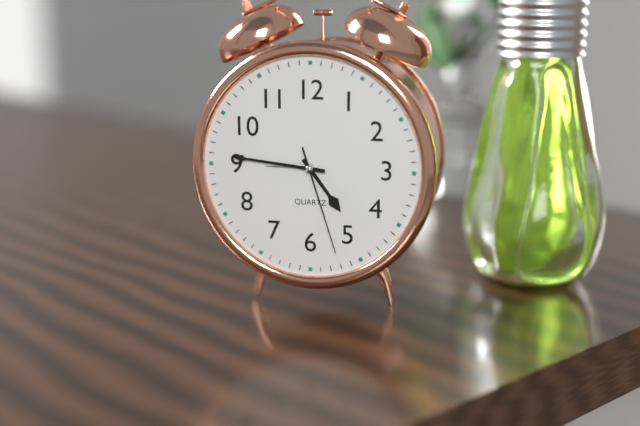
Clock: 4,46,27
